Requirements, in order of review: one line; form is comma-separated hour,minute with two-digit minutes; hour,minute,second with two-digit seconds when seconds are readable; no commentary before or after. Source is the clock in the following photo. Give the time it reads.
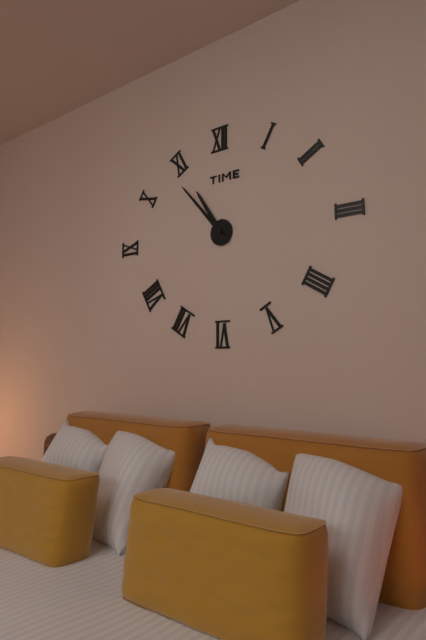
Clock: 10,53
